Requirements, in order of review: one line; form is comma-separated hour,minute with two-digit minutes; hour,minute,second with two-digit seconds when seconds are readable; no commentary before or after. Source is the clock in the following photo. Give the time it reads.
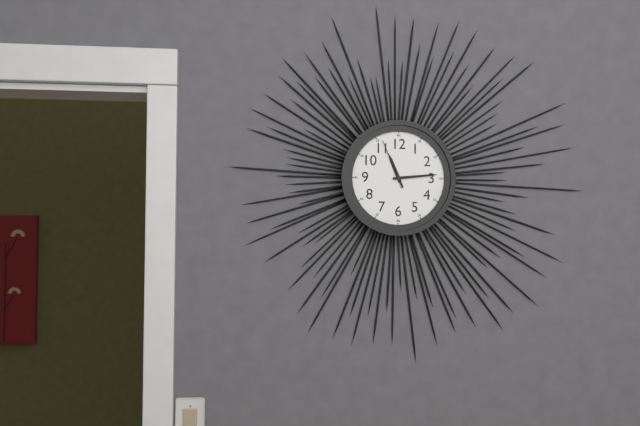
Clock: 11,14,56
